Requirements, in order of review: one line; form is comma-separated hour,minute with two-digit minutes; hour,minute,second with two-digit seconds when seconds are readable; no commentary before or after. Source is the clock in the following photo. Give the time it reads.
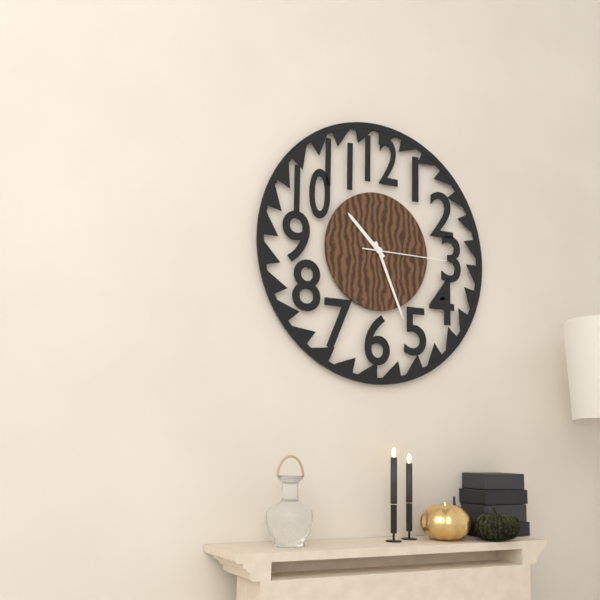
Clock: 10,26,15
